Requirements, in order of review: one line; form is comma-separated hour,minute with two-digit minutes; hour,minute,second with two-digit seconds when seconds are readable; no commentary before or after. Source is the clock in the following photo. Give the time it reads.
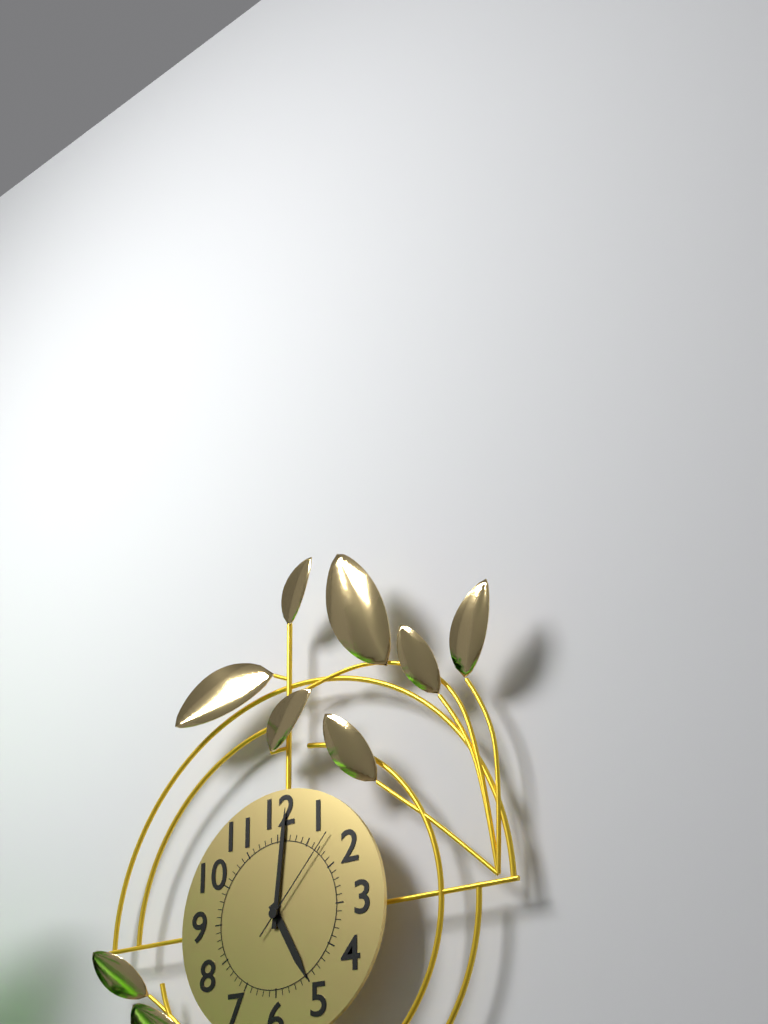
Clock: 5,01,07
